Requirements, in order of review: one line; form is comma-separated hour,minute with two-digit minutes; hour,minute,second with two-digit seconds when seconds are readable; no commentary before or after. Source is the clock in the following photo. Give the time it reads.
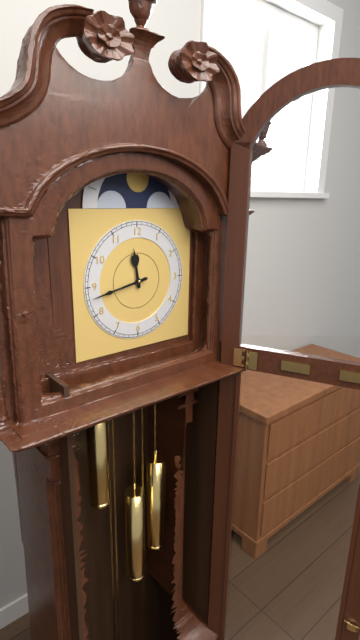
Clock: 11,43
